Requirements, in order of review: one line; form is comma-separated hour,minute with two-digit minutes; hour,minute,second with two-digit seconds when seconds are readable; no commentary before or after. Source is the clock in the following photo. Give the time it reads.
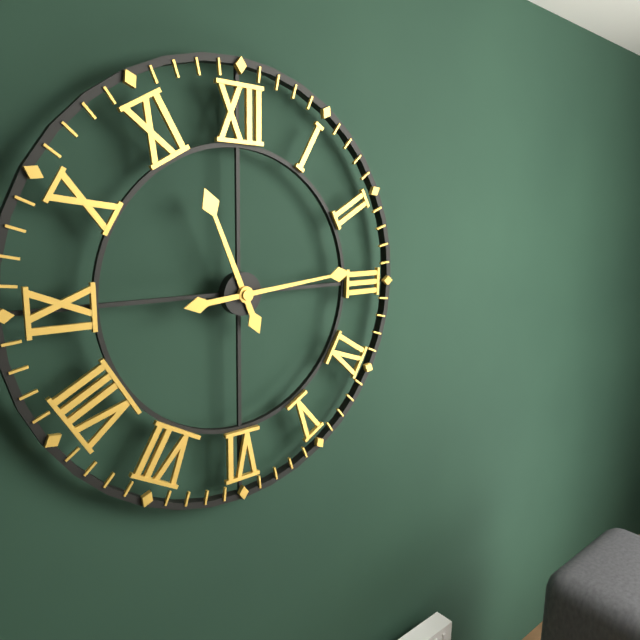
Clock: 11,14
